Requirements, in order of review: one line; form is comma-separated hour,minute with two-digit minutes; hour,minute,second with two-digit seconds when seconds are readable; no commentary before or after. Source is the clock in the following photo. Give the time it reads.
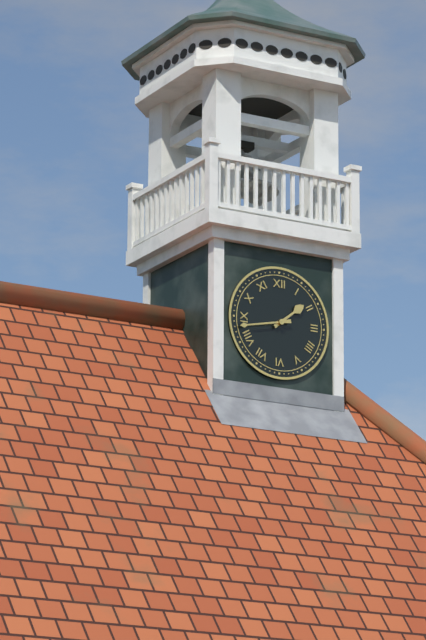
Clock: 1,43
